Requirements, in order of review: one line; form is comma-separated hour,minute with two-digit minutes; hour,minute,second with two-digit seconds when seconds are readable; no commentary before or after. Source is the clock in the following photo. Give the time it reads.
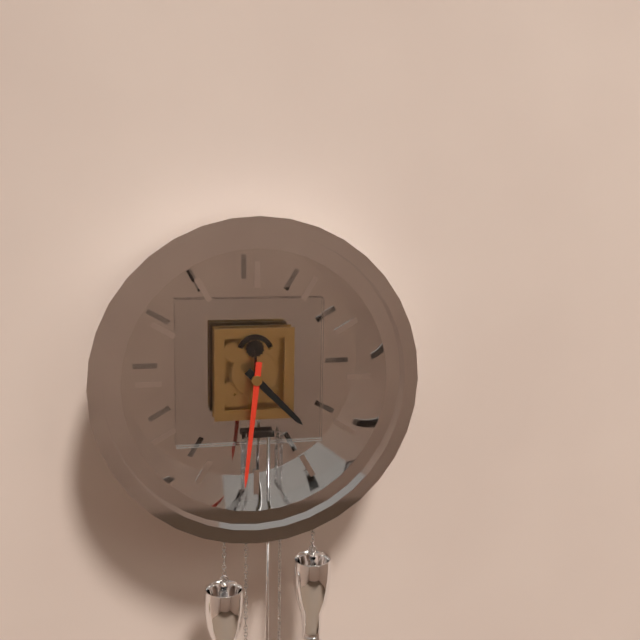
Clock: 4,31
